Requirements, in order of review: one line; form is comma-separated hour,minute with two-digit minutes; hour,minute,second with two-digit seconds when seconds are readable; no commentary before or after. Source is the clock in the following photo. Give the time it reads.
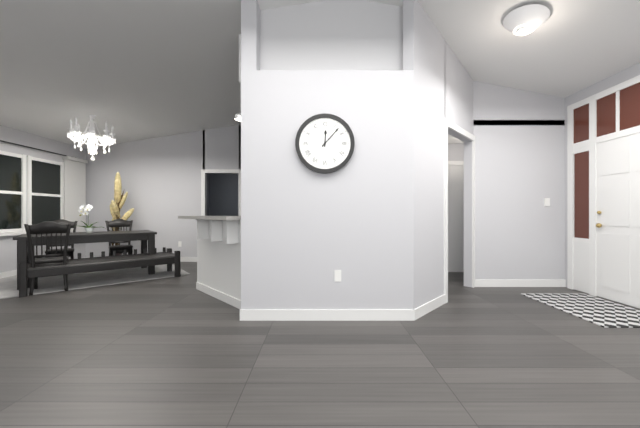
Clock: 12,07
